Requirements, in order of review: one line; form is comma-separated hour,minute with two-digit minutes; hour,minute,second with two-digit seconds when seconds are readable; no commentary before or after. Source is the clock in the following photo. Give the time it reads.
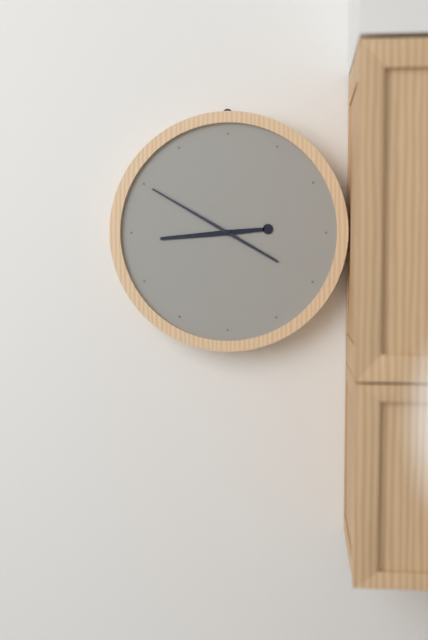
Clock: 8,50
